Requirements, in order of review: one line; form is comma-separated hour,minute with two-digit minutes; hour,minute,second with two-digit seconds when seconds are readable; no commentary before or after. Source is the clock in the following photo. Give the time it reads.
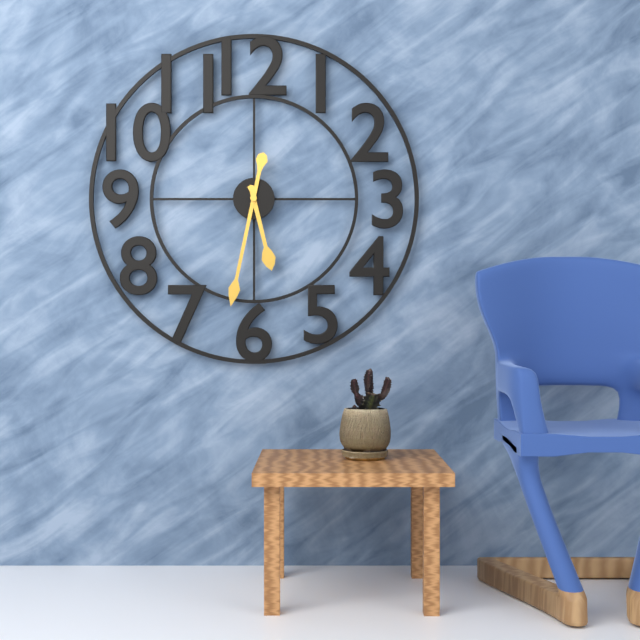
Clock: 5,32
